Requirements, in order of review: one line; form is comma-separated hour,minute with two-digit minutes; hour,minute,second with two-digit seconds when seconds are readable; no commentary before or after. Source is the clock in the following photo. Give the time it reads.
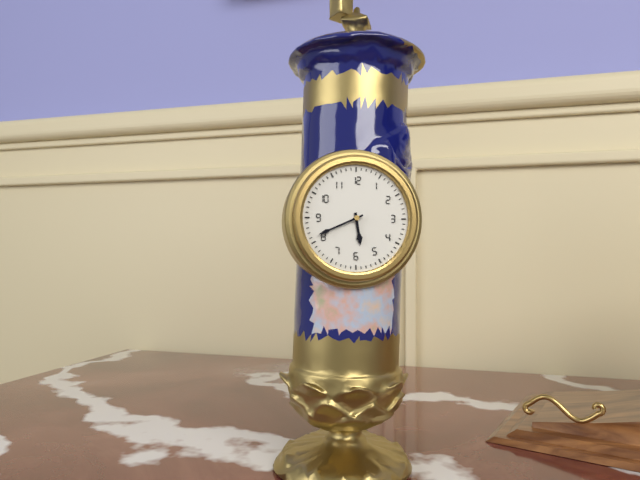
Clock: 5,41
